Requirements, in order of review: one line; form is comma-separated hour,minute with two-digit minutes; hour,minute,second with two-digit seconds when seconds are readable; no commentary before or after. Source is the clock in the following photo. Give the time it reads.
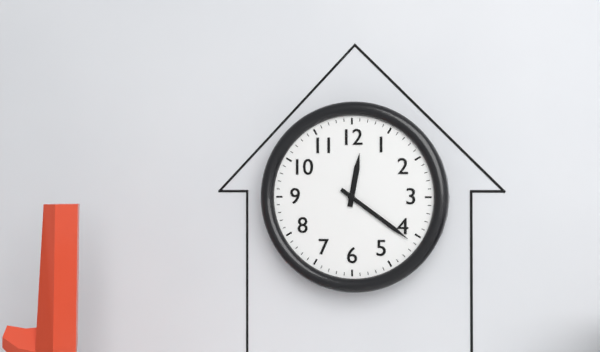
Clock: 12,21
